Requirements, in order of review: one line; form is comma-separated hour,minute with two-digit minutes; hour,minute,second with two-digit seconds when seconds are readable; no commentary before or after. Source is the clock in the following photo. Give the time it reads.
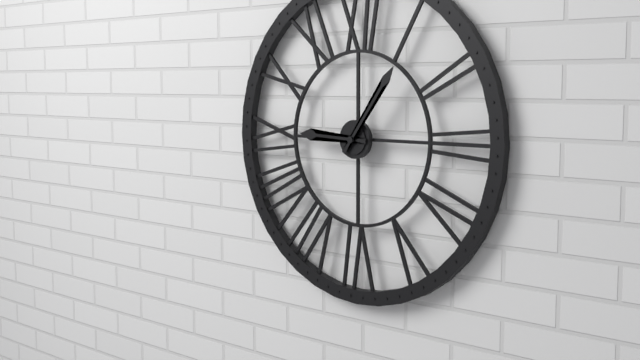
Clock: 9,06
